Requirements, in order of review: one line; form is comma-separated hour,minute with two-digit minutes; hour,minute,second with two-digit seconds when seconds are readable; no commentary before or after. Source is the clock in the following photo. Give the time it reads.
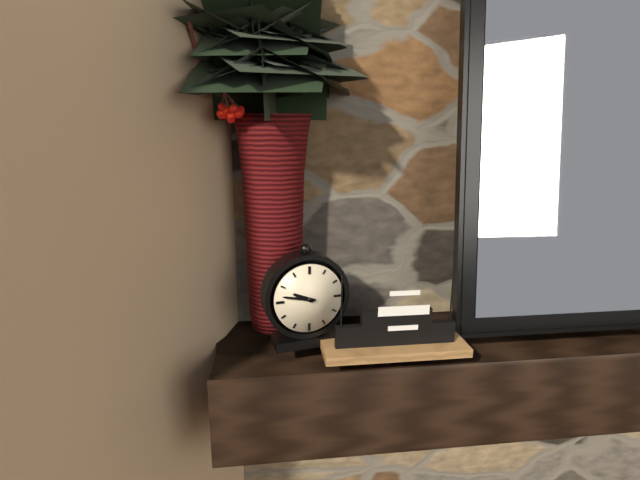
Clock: 9,47
